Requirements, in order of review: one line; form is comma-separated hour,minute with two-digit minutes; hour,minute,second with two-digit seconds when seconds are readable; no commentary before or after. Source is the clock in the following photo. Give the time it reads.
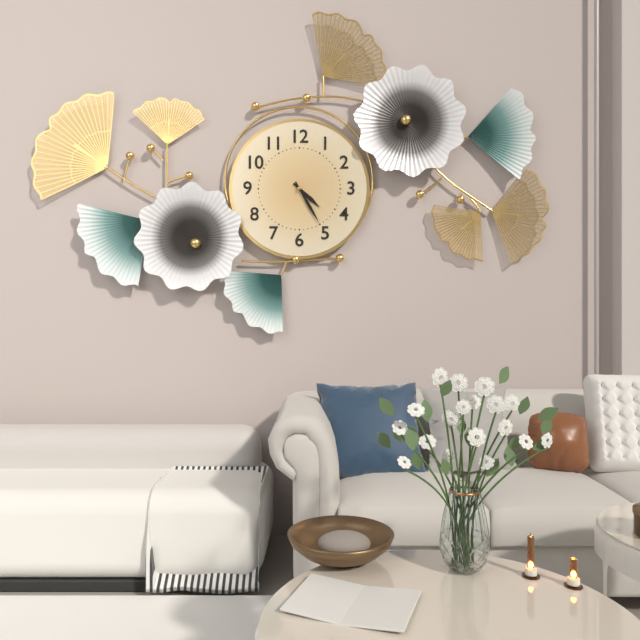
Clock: 4,25
